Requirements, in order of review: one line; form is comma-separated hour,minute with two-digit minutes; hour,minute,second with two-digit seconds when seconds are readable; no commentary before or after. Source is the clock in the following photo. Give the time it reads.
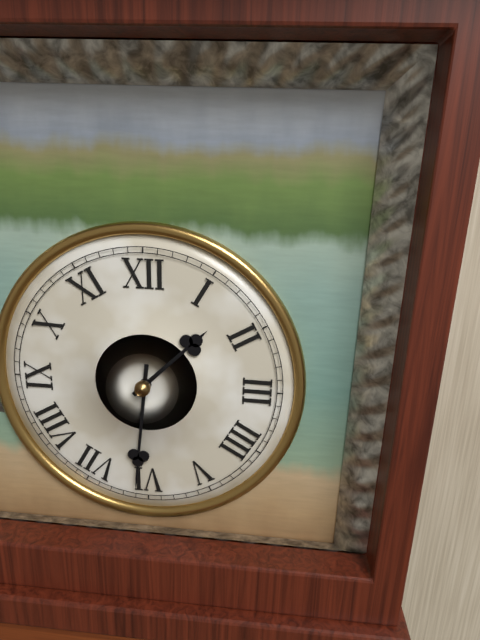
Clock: 1,31
